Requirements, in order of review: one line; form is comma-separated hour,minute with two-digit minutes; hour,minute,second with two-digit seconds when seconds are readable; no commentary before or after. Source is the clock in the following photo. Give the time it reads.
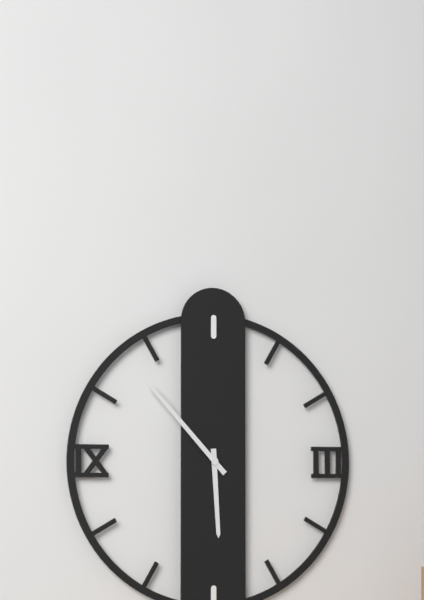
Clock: 5,53
